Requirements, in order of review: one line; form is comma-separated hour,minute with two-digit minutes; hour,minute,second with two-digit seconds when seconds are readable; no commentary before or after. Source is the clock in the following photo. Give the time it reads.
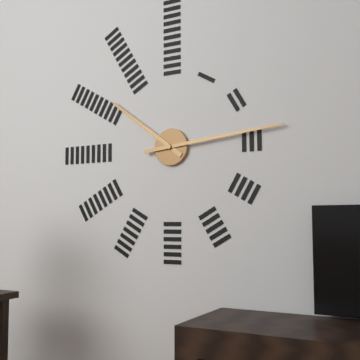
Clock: 10,14
